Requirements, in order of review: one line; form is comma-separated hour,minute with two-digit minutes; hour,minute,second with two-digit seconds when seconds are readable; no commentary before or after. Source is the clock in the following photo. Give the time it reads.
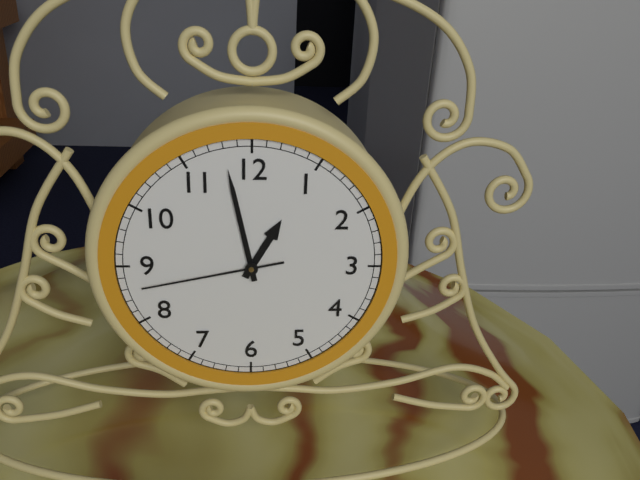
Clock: 12,58,43
